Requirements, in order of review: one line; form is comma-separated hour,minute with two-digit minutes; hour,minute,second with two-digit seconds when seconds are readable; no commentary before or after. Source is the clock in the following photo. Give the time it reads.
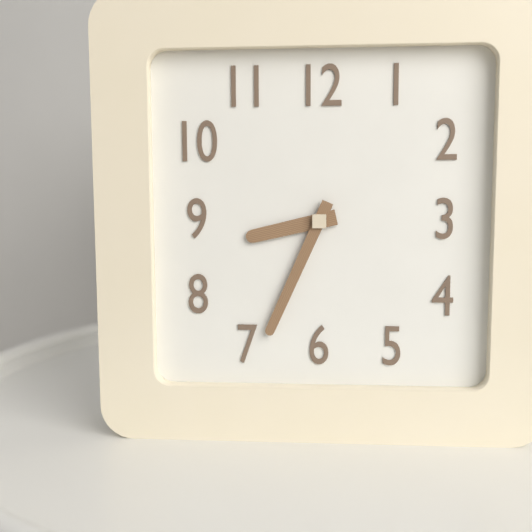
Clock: 8,34
